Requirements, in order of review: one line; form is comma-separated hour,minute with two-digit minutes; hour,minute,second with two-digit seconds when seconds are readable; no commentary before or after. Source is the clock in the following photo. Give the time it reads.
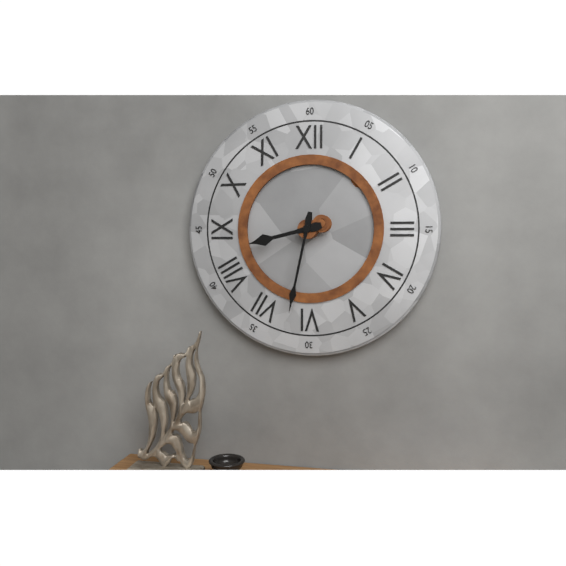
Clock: 8,32
